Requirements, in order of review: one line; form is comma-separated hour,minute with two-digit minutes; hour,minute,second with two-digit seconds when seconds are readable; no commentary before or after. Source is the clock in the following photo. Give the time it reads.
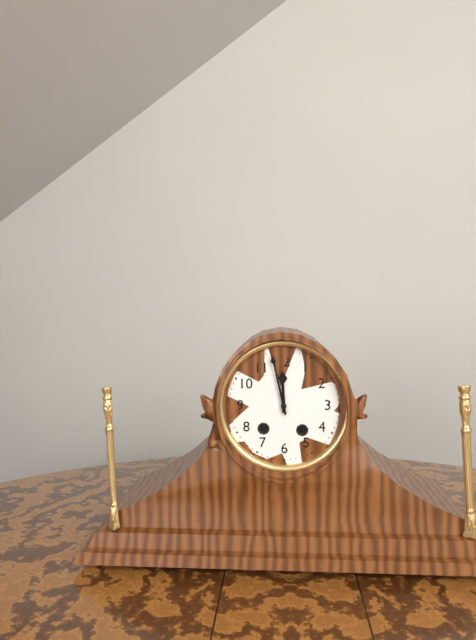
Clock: 11,58
